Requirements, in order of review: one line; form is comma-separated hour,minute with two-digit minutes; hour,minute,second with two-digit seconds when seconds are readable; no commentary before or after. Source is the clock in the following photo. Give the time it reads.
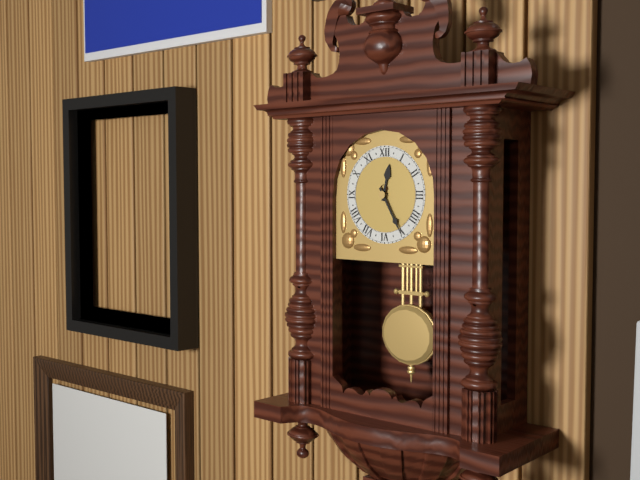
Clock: 12,25
